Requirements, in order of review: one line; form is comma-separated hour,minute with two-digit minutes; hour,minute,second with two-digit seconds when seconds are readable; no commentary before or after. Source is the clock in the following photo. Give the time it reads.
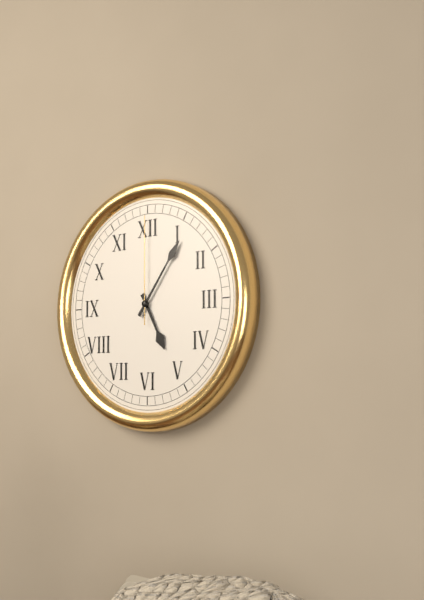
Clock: 5,06,00
